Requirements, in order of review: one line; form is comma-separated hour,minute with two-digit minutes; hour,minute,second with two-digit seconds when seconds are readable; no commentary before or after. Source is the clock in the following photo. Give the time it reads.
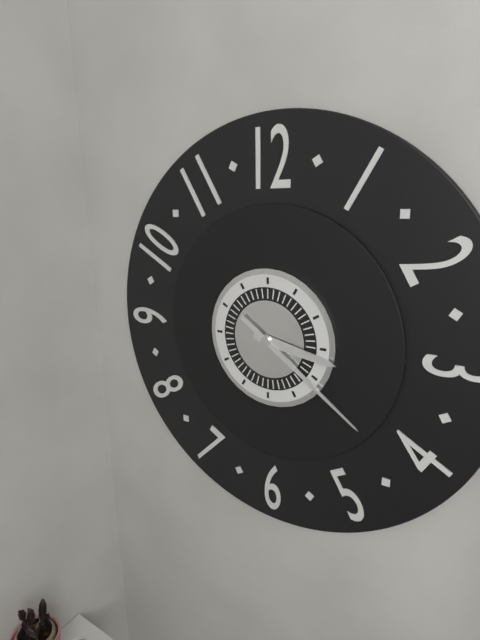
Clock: 3,21
